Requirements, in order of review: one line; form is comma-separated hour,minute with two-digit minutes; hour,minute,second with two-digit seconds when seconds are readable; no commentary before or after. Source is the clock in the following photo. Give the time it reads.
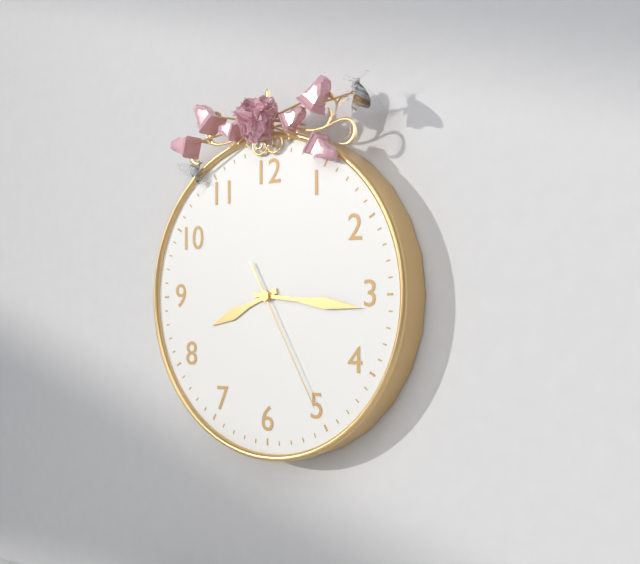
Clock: 8,16,25
